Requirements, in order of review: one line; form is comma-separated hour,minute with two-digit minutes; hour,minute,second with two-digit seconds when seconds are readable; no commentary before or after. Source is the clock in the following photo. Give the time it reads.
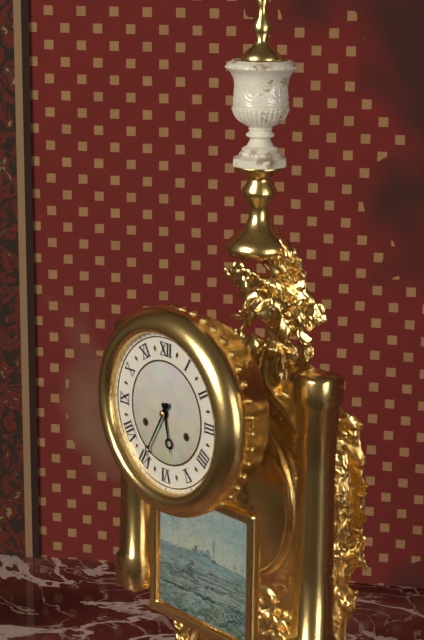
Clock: 5,35
